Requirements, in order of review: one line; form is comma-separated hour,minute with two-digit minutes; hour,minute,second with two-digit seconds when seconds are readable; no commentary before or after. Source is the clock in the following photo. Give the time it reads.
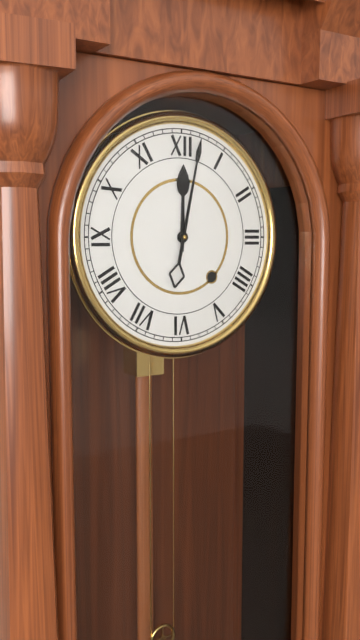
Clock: 12,02
